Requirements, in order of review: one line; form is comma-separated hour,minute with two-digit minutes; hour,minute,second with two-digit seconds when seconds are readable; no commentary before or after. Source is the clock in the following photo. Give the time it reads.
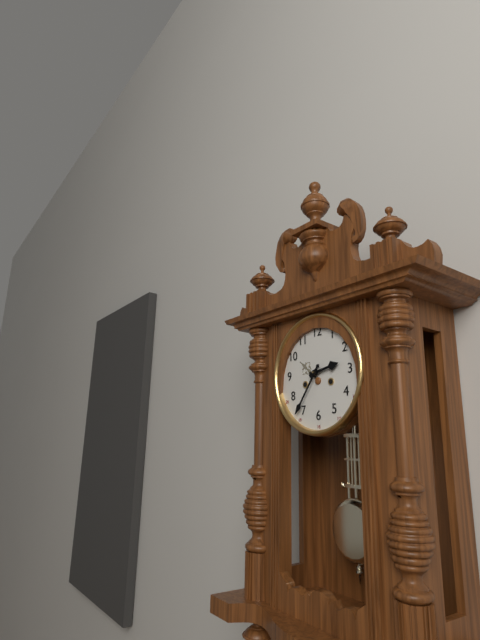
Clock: 2,36
